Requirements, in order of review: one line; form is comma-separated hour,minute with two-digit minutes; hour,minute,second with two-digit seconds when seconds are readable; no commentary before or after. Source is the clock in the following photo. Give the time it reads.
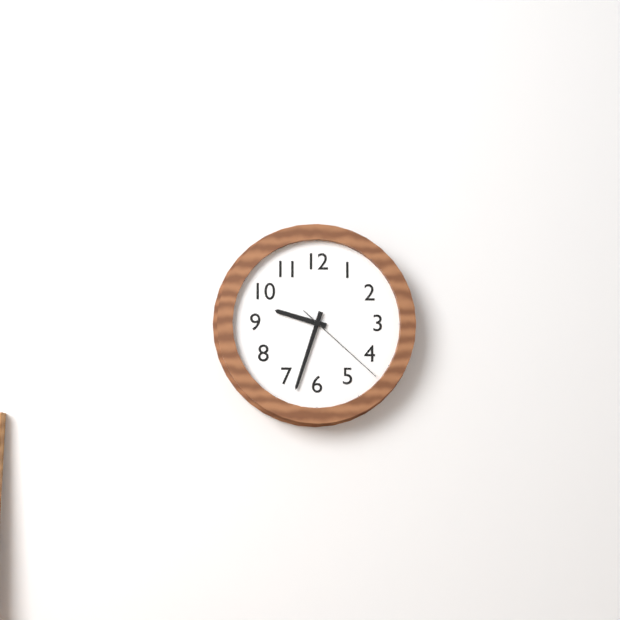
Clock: 9,33,22
